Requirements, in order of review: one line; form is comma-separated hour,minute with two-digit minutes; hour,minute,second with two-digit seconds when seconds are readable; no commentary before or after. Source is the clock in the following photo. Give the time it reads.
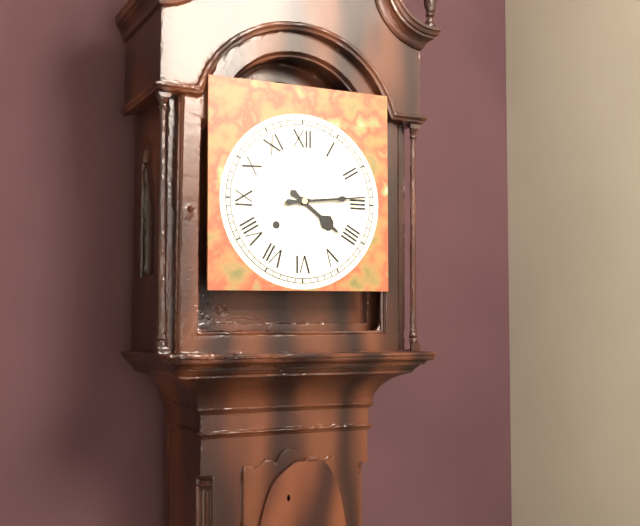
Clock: 4,14
